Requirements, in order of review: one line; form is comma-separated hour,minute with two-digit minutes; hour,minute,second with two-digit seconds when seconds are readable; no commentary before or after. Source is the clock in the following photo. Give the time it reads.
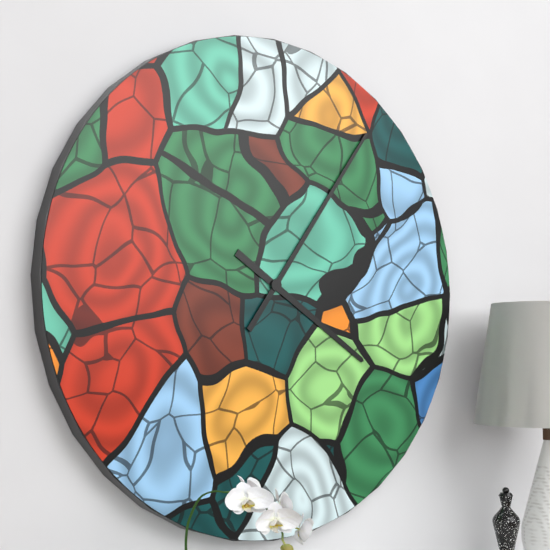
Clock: 4,06
